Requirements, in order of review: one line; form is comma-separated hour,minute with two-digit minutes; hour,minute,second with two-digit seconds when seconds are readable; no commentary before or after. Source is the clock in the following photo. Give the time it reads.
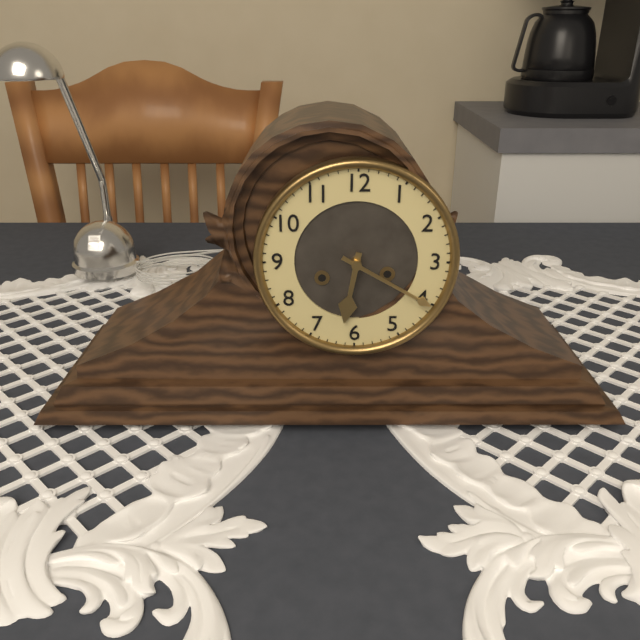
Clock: 6,20
